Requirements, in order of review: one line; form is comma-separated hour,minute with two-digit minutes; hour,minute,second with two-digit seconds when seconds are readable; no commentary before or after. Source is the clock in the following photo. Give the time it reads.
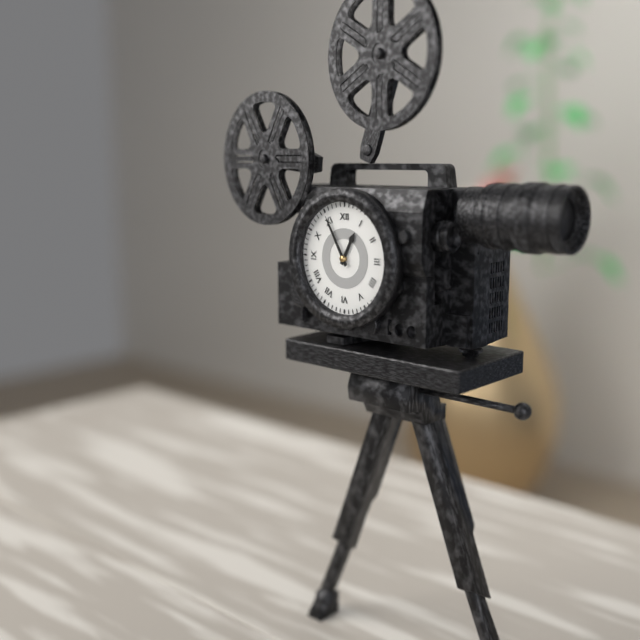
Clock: 12,55
